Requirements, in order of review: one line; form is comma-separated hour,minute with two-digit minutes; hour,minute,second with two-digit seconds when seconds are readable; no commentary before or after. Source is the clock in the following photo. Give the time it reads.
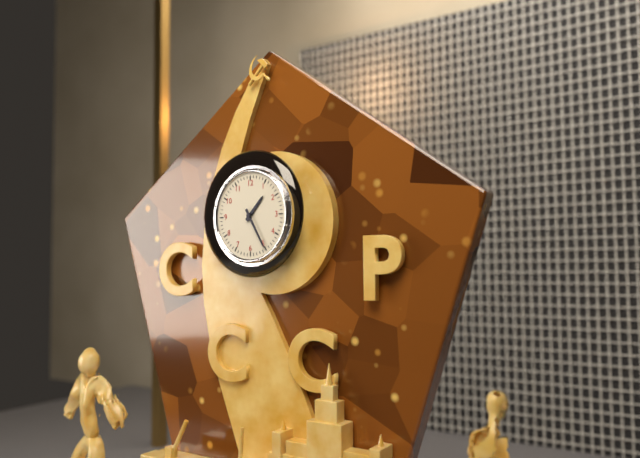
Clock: 1,25
